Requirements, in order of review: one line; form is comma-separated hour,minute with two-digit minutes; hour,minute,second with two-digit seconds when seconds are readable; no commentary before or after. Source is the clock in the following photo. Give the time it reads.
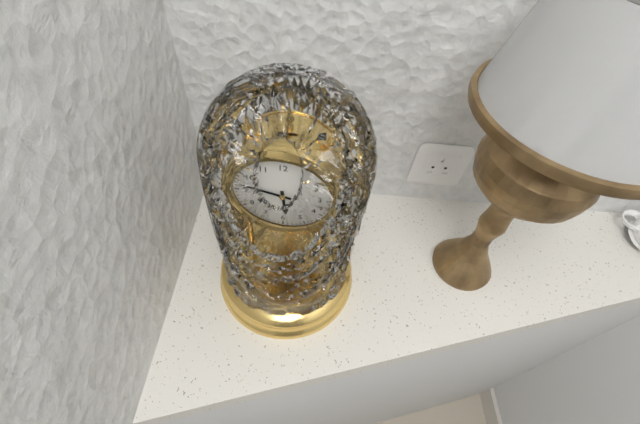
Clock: 5,47
